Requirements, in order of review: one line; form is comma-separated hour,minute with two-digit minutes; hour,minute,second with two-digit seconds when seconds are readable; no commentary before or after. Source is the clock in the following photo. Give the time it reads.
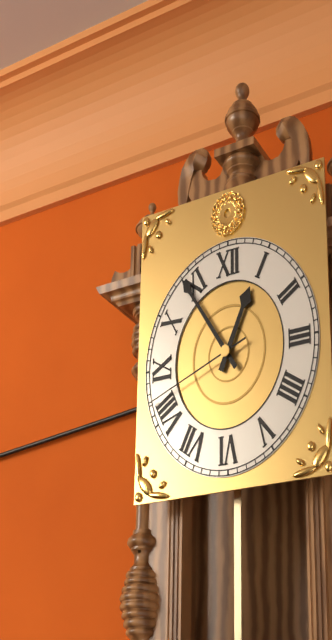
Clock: 12,54,42
